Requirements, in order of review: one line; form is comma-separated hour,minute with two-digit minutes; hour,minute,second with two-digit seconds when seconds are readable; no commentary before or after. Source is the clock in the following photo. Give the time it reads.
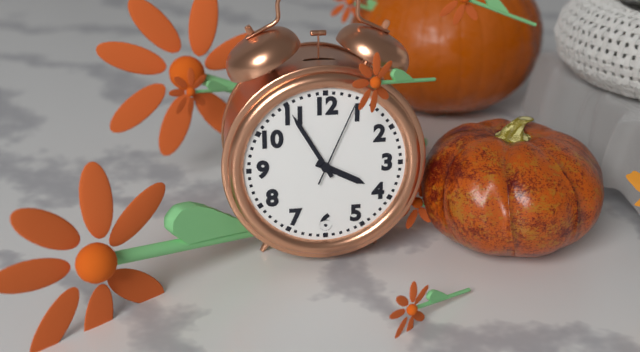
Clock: 3,55,04
